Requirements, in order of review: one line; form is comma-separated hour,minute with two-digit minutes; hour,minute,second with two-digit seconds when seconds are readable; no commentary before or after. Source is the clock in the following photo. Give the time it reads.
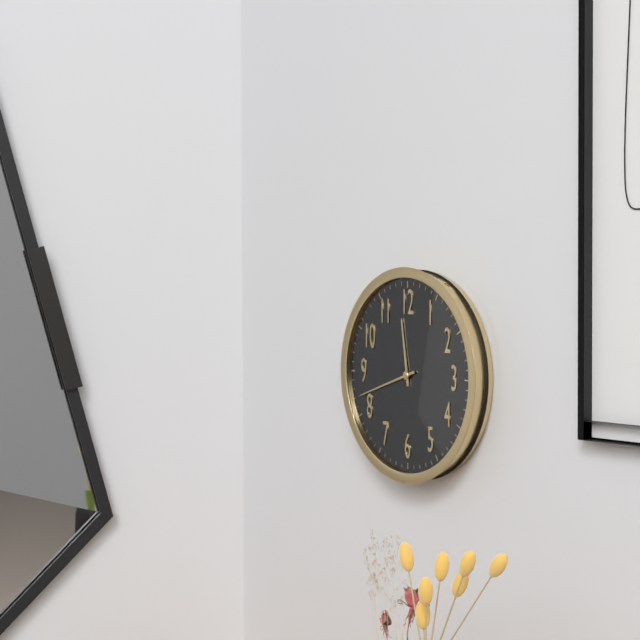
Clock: 11,42
